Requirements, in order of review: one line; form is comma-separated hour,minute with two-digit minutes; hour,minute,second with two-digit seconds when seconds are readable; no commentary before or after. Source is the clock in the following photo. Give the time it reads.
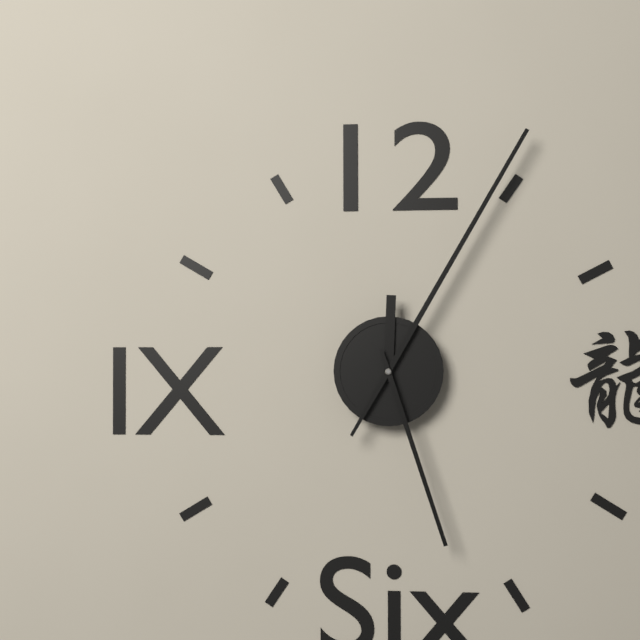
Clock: 12,05,27
